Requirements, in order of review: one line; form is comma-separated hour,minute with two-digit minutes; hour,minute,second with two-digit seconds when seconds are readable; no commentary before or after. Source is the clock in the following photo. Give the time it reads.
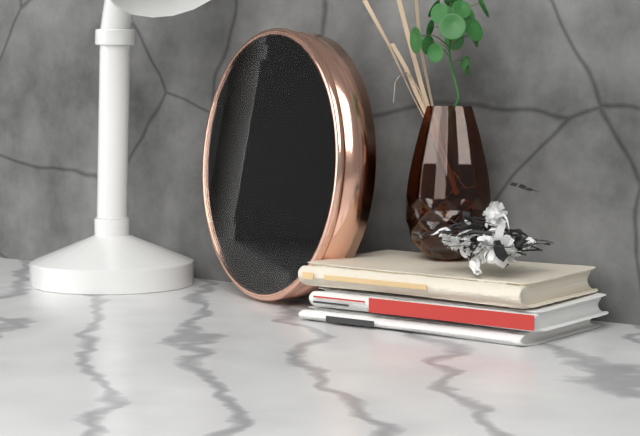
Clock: 1,48,07
